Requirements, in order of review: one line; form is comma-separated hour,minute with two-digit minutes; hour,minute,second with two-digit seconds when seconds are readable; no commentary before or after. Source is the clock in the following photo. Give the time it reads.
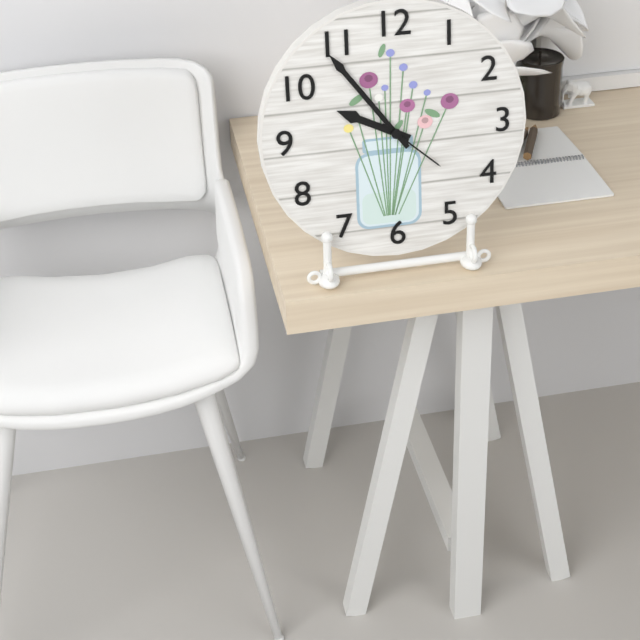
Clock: 9,54,22
